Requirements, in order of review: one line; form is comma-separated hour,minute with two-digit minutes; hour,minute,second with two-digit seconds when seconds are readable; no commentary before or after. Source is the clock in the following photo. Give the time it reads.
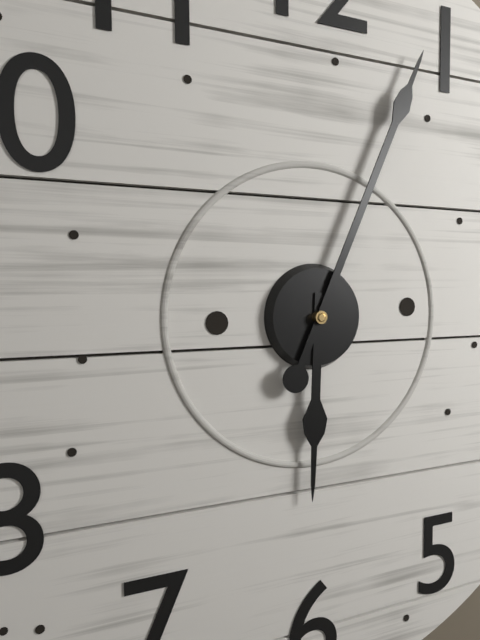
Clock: 6,04
